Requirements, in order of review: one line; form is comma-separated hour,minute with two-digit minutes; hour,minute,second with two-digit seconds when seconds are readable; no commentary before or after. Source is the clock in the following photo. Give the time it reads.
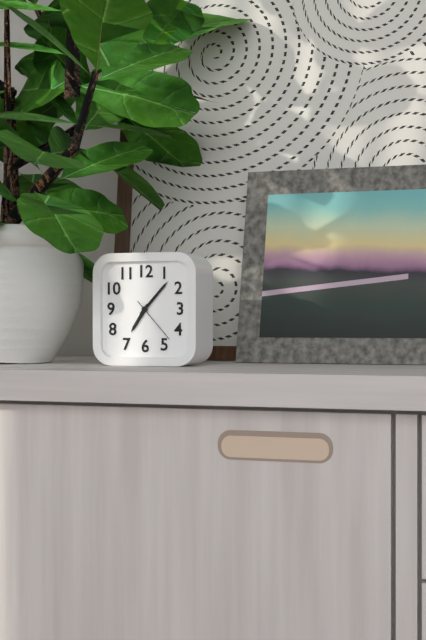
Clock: 7,07
